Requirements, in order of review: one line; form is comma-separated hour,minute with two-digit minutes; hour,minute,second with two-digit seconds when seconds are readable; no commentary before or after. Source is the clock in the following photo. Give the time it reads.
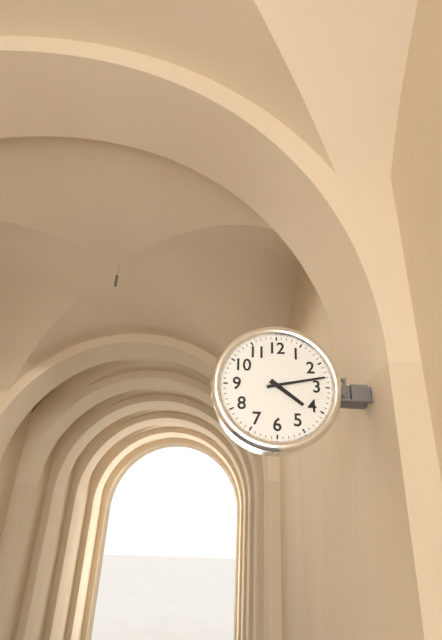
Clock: 4,13
